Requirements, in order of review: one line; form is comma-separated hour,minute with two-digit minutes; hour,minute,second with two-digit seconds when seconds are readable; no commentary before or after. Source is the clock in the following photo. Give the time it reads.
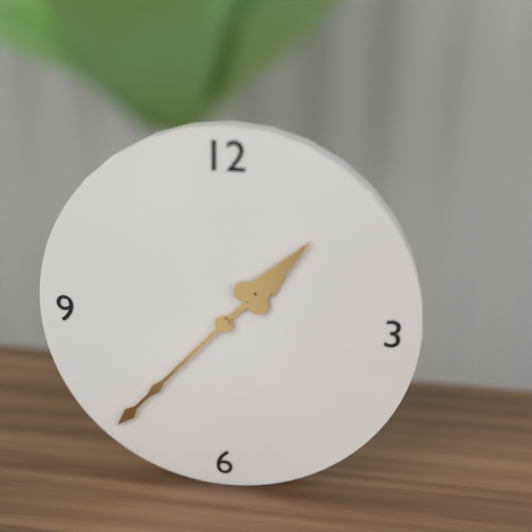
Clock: 1,37
